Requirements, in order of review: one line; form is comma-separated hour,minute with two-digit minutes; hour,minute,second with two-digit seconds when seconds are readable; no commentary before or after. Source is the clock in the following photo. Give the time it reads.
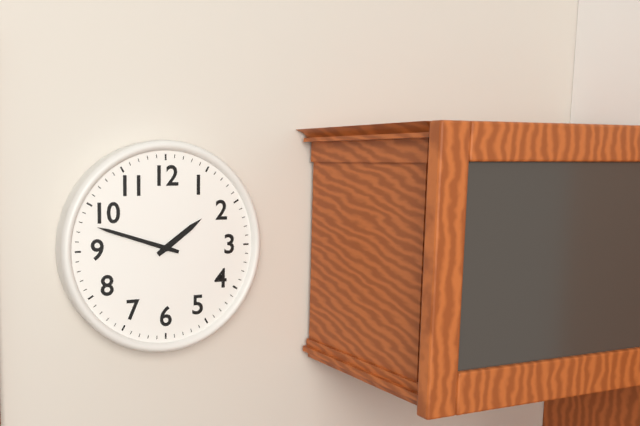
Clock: 1,48
